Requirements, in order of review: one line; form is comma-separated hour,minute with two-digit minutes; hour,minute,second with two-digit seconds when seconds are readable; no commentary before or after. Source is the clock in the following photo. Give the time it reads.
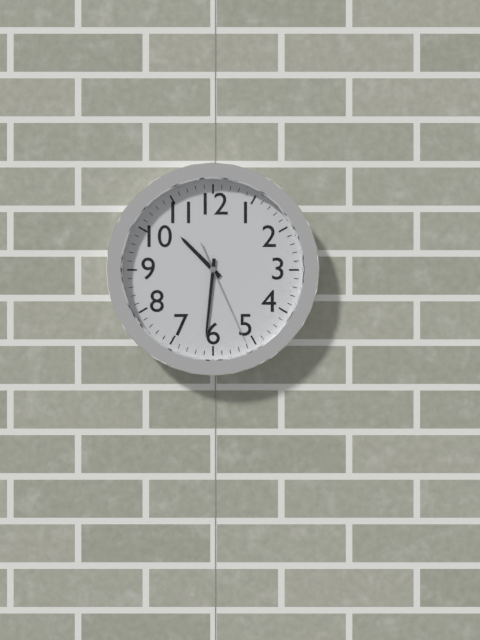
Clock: 10,31,26
